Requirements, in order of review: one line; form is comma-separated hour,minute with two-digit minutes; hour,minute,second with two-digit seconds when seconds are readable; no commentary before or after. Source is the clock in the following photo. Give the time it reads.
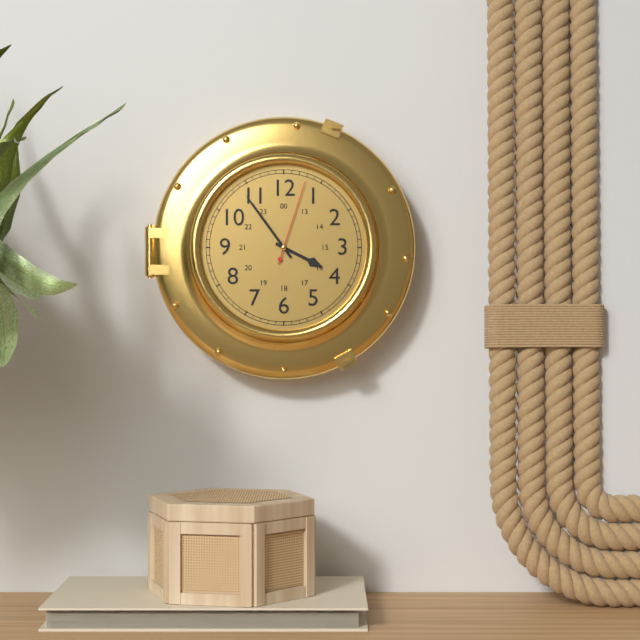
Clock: 3,54,03
